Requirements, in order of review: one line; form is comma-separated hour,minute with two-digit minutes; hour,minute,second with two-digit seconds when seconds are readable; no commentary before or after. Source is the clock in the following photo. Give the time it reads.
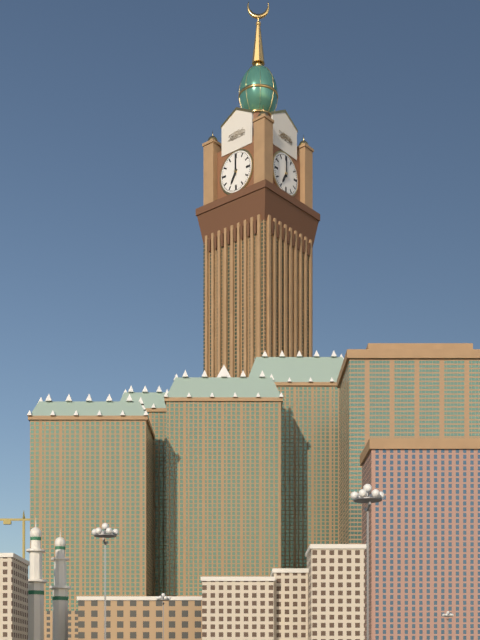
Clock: 7,00
